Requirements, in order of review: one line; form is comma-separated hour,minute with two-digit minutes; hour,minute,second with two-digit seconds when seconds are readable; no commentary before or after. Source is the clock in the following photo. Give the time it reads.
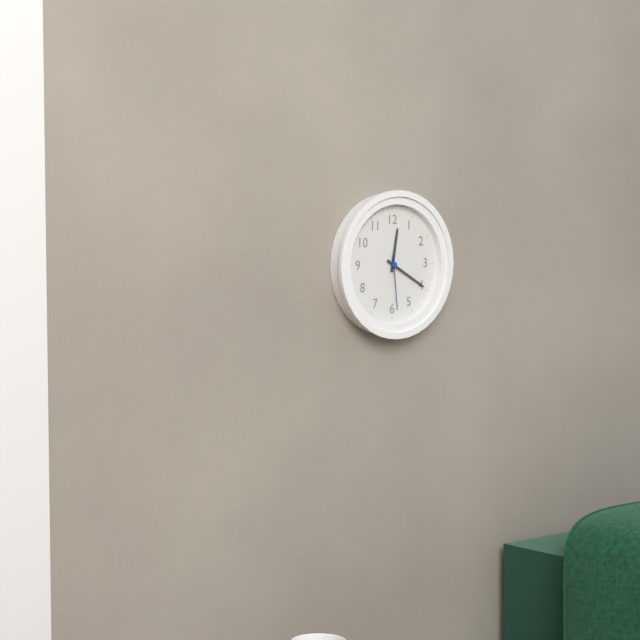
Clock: 12,20,29
